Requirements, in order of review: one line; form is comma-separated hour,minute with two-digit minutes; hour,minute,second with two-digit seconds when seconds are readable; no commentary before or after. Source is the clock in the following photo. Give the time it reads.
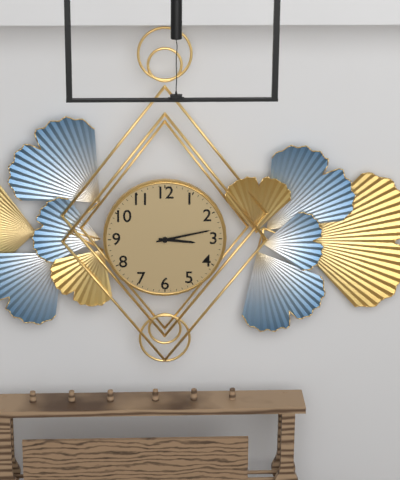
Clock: 3,13
